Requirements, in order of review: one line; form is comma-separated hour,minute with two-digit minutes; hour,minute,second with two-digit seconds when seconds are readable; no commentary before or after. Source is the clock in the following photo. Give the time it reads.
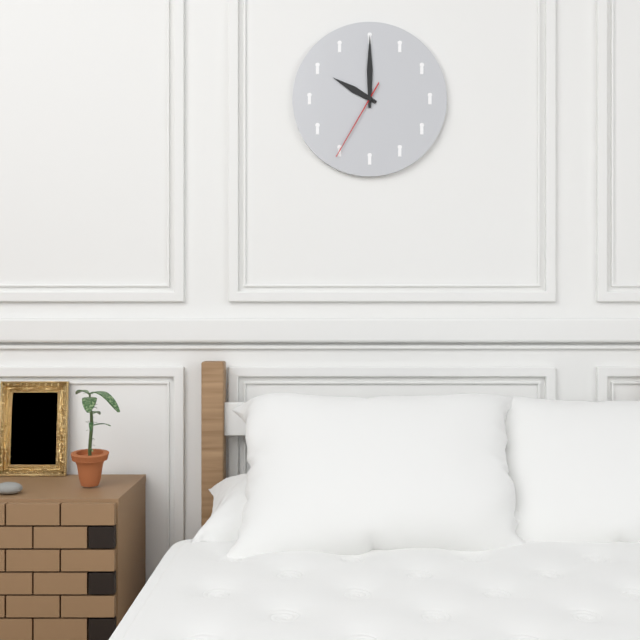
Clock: 10,00,35
